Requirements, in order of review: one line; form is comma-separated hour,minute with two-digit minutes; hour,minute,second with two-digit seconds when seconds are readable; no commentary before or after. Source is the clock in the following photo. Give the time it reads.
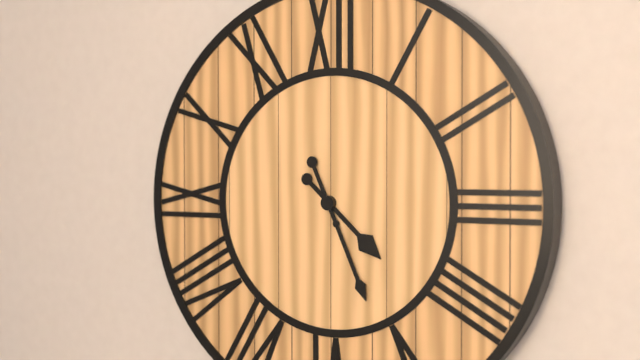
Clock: 4,26
